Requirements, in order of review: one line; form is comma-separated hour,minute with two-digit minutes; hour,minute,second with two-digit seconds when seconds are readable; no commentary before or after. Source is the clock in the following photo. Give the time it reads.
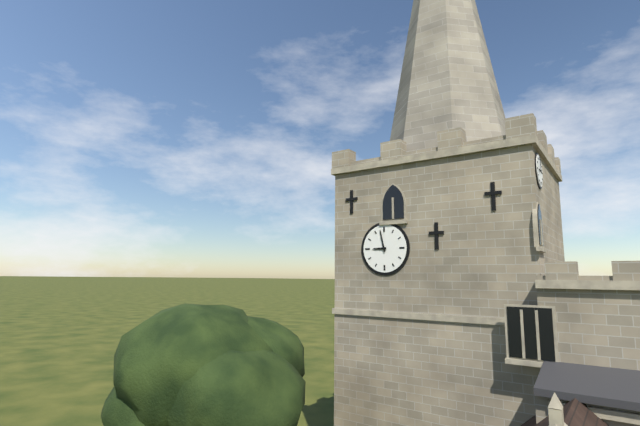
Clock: 8,58
